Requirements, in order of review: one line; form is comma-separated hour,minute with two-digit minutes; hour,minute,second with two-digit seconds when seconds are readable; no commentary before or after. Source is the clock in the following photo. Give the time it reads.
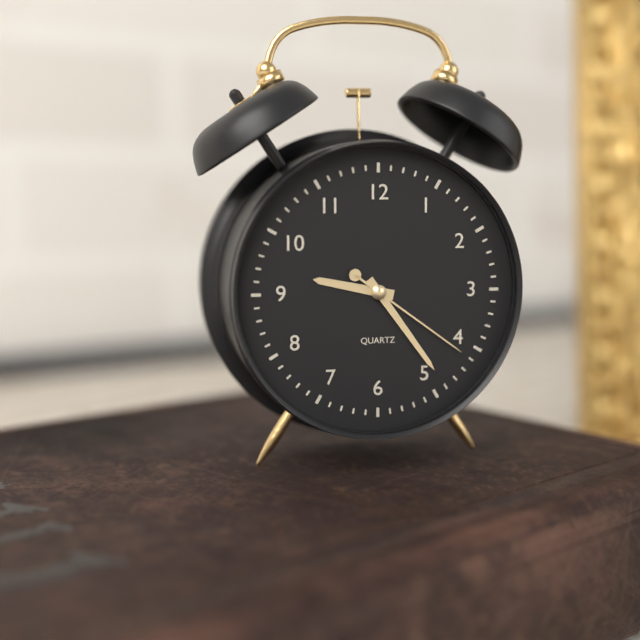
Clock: 9,24,21
